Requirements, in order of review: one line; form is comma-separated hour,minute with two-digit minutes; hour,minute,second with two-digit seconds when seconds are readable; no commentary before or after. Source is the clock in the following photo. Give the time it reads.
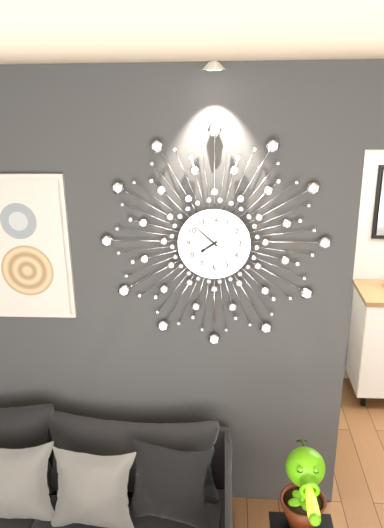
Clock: 7,52
